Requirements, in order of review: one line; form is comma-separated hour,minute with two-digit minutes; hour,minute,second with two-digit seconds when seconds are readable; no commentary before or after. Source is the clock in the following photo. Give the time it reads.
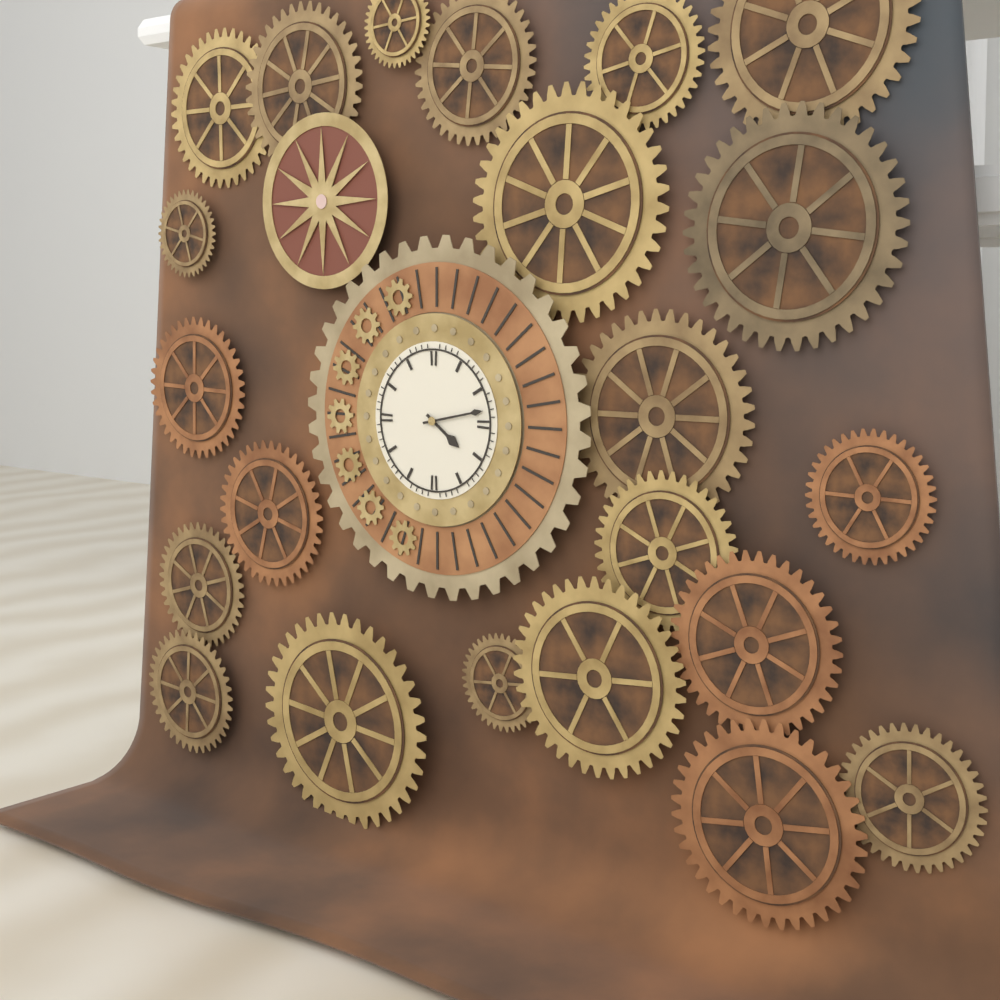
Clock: 4,13
